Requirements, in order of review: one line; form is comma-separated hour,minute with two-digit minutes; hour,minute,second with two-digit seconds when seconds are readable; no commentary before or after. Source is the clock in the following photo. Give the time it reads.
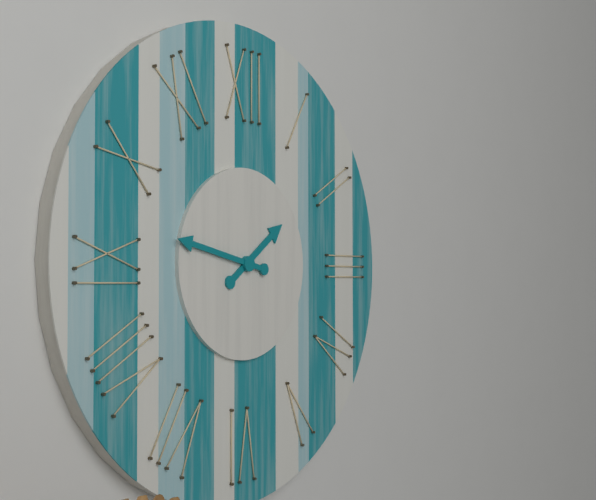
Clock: 1,47
